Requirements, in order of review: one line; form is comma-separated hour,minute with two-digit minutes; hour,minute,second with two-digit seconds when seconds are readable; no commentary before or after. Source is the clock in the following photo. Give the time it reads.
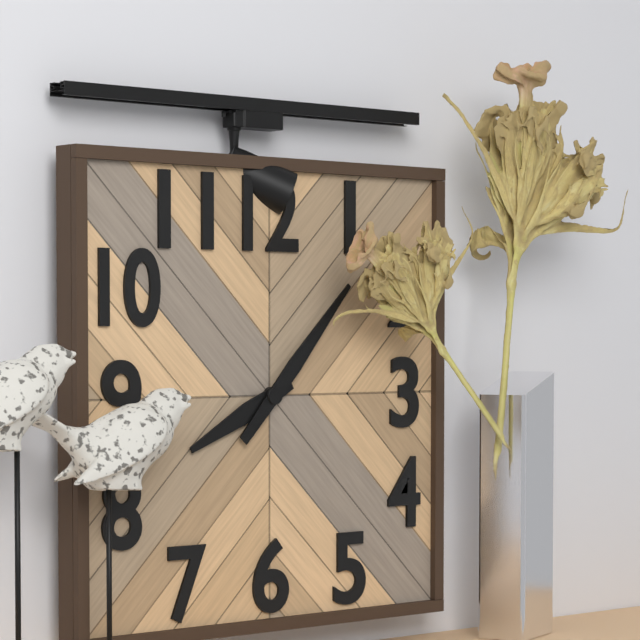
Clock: 8,07
